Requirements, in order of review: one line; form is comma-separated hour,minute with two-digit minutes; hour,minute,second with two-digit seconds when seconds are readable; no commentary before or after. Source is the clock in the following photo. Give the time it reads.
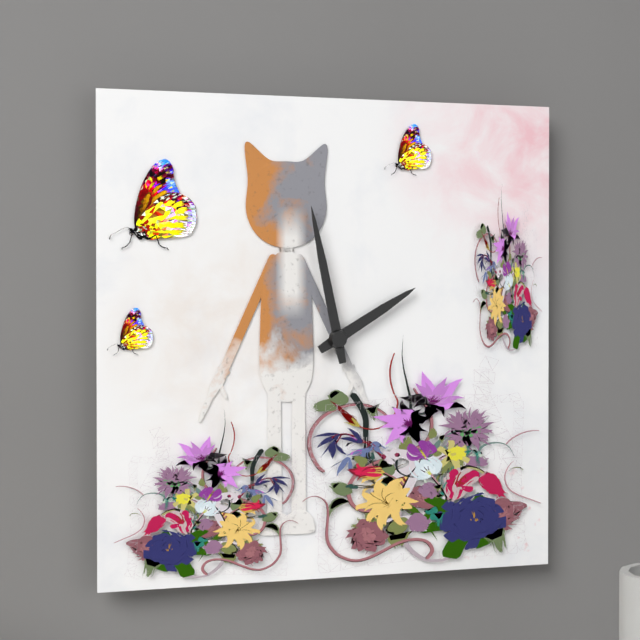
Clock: 1,58
